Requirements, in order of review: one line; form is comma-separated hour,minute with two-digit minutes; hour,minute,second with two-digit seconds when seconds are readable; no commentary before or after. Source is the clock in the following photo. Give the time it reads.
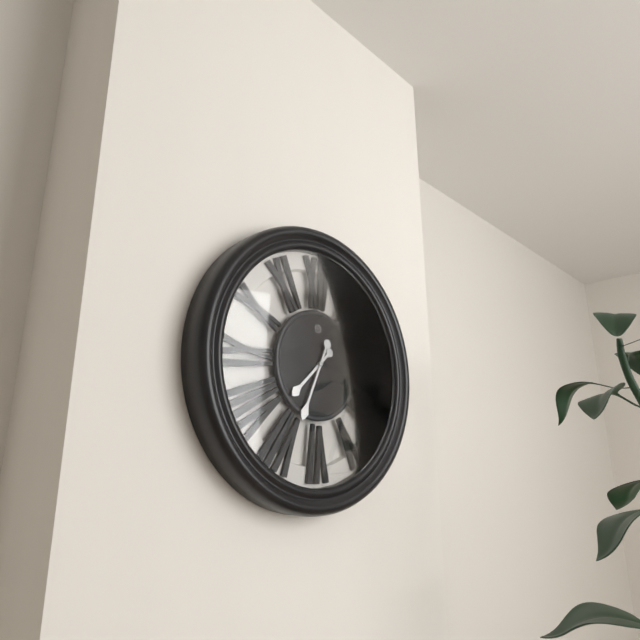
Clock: 7,34
